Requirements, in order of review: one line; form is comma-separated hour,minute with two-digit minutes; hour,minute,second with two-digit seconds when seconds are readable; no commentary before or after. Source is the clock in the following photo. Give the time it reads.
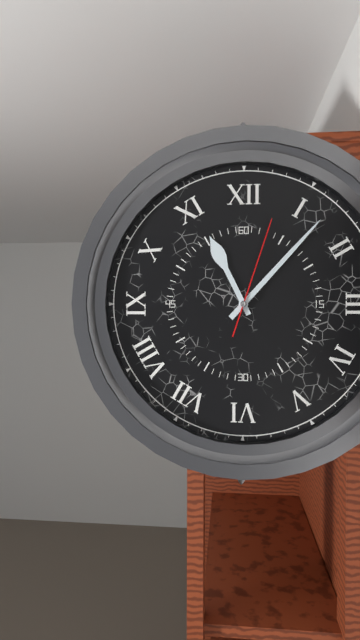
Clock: 11,07,03
